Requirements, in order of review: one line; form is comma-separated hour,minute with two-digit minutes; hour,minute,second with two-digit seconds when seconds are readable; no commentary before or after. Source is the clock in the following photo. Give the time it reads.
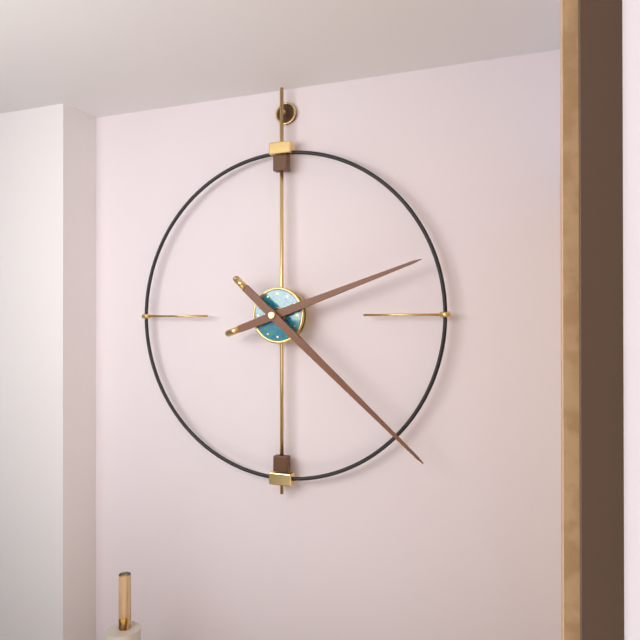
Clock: 2,22
